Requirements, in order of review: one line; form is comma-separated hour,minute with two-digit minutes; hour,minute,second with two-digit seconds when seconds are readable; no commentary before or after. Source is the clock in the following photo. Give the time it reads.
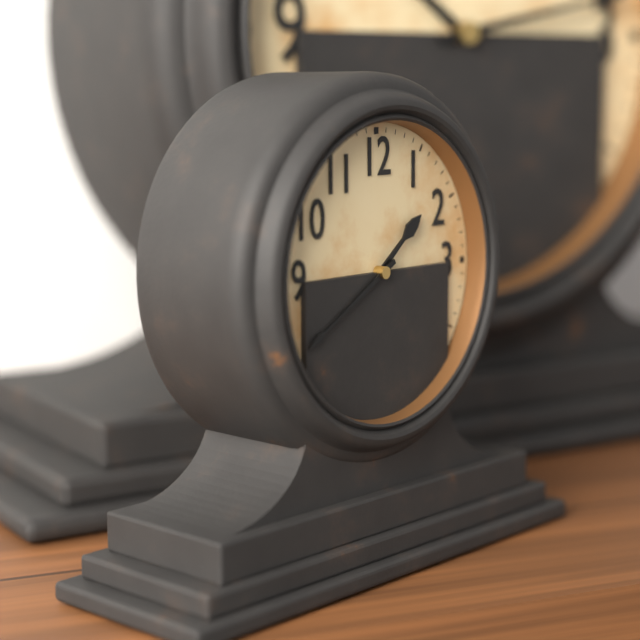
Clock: 1,40
